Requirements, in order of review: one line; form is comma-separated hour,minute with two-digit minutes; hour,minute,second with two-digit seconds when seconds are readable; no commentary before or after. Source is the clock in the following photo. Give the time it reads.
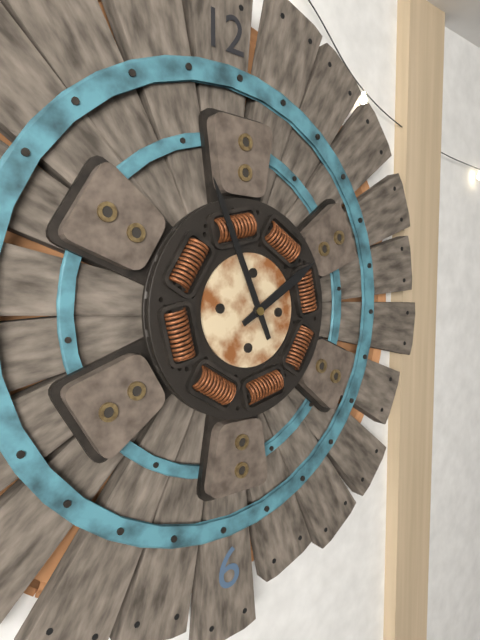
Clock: 1,56
